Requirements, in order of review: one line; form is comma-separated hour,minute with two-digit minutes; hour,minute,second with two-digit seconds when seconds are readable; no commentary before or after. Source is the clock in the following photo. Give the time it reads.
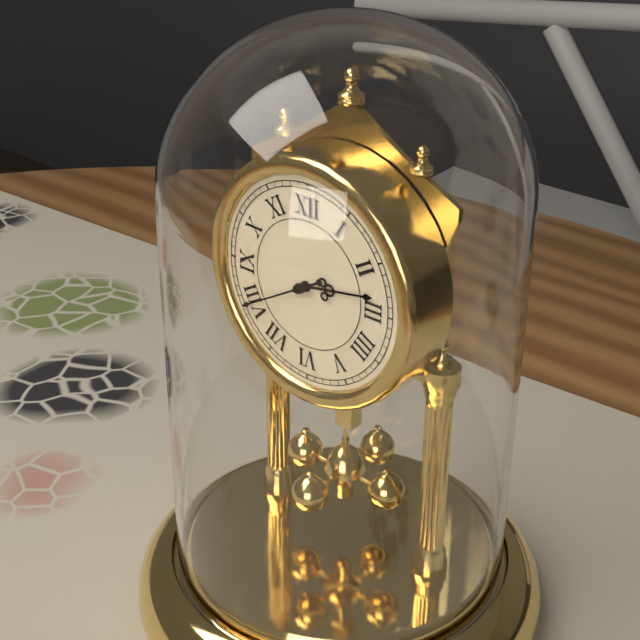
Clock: 2,40
